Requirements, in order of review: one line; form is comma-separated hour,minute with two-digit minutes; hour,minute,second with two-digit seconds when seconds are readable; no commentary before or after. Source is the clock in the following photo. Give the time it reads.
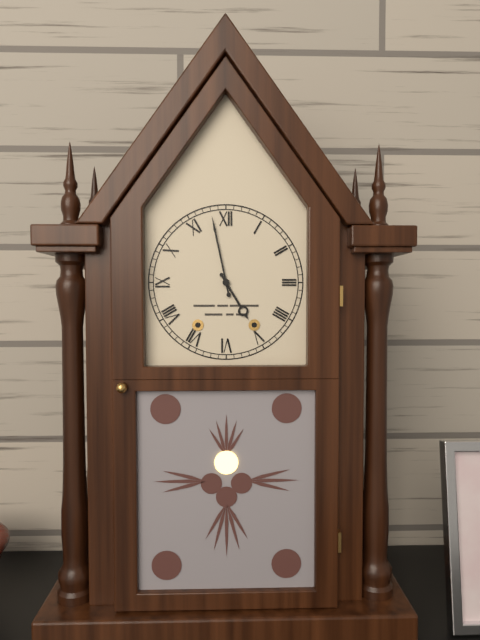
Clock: 4,58
